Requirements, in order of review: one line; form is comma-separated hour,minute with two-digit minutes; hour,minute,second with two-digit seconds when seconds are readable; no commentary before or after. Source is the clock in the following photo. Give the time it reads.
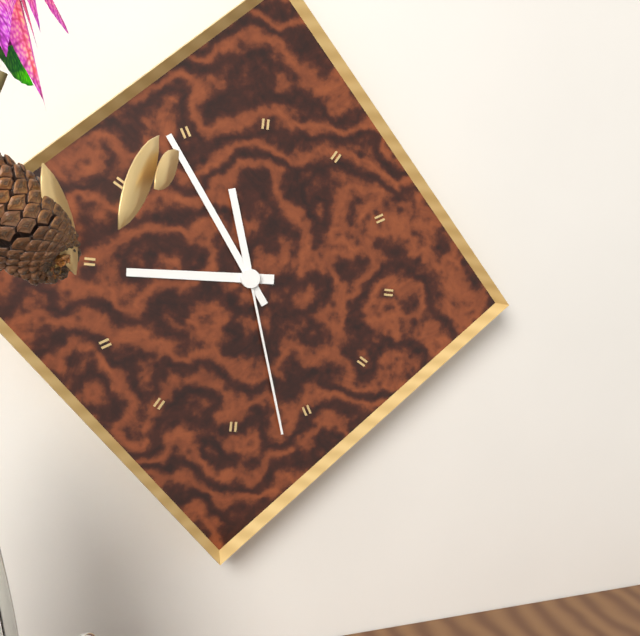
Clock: 8,54,27
